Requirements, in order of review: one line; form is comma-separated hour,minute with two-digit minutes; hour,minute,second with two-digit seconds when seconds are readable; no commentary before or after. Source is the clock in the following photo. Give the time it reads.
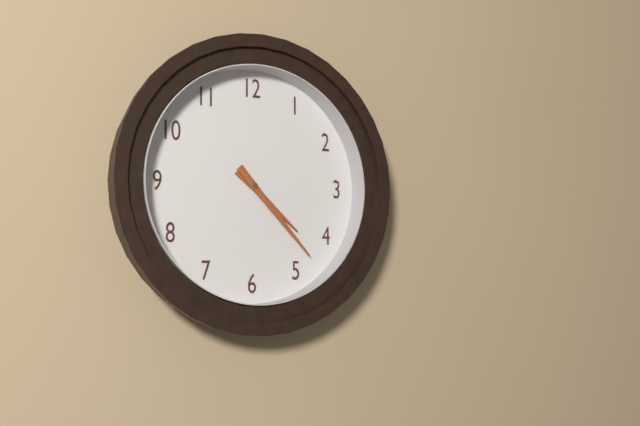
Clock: 4,23
